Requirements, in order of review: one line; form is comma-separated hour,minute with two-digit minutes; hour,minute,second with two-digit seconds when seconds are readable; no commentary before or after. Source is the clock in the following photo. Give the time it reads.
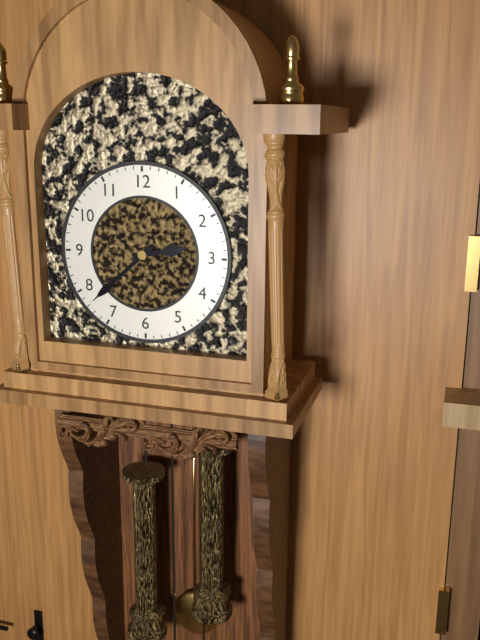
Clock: 2,38
